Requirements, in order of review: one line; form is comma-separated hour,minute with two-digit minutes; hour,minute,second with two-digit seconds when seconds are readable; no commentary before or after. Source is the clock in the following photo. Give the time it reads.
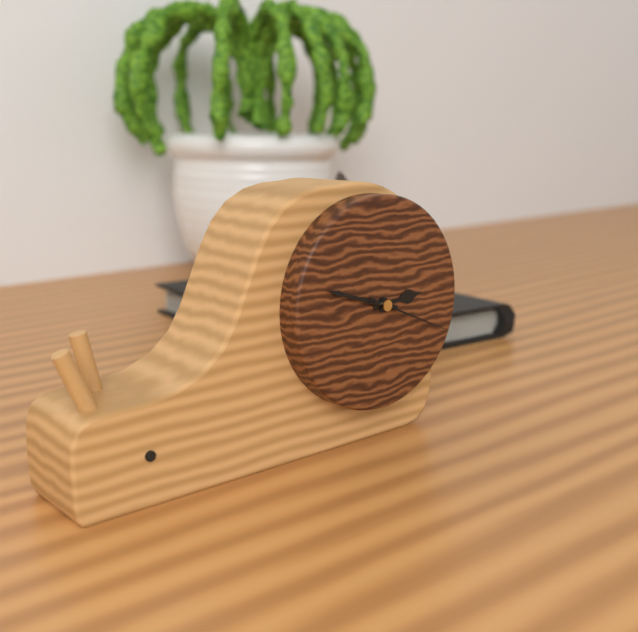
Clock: 2,48,19
